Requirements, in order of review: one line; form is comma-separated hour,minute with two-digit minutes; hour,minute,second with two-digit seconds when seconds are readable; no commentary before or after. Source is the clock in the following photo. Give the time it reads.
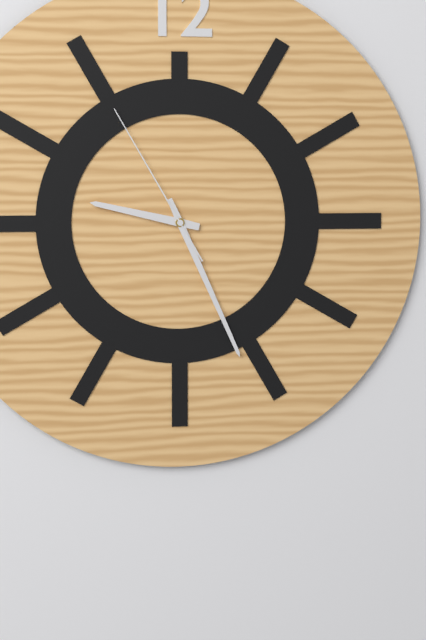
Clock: 9,26,55
